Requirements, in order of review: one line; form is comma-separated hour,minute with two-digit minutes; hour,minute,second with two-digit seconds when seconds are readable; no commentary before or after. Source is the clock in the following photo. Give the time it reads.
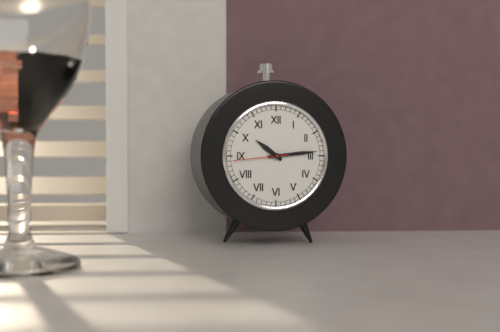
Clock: 10,14,44
